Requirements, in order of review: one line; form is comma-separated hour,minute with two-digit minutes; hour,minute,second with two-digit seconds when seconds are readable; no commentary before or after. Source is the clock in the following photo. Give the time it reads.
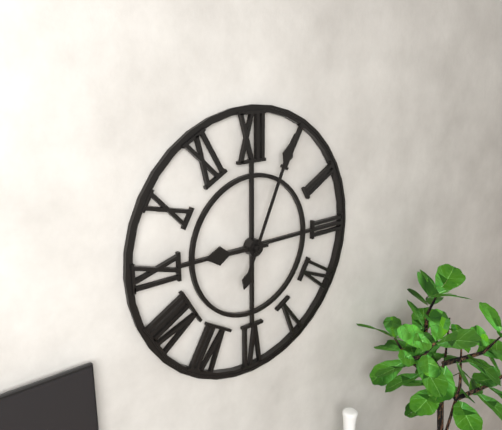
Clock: 9,04
